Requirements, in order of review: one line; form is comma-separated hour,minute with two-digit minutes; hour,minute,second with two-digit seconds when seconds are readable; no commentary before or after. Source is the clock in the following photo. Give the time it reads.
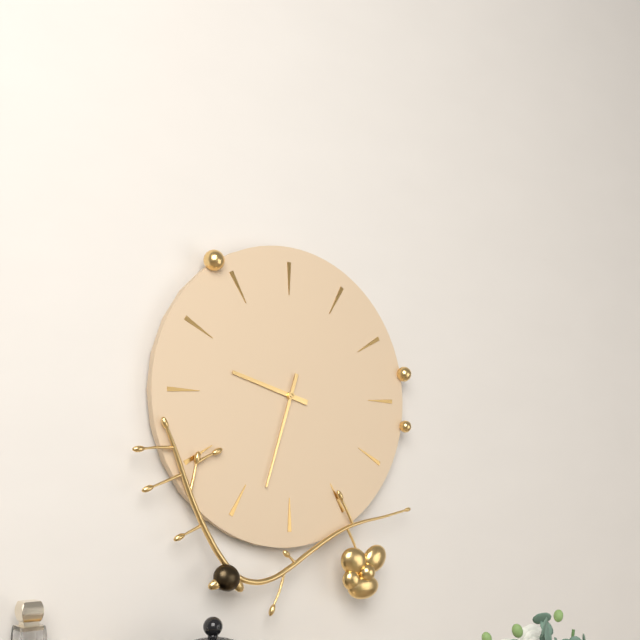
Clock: 9,33
